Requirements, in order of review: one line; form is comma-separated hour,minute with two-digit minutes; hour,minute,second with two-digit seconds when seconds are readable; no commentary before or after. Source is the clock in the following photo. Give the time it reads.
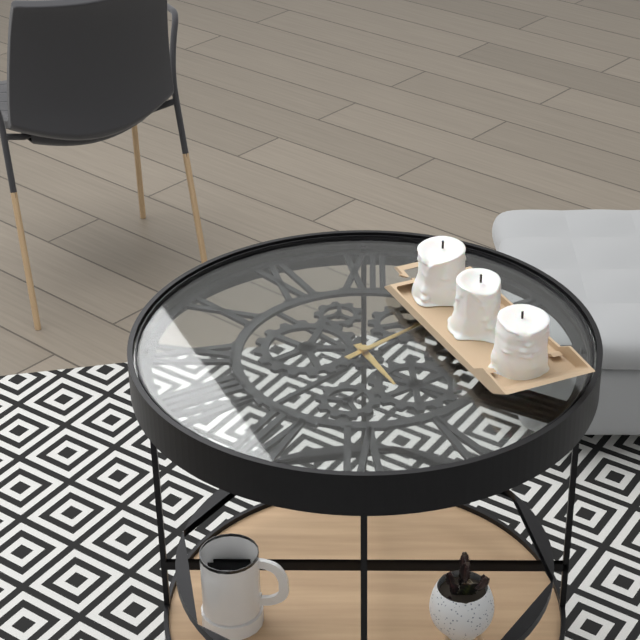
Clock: 5,08
